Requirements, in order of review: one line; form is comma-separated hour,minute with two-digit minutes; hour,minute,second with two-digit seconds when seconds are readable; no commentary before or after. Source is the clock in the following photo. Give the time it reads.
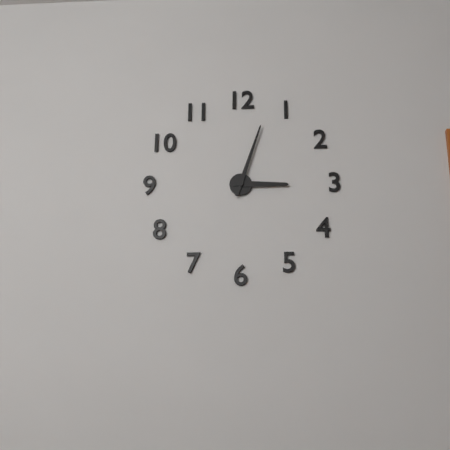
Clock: 3,03
